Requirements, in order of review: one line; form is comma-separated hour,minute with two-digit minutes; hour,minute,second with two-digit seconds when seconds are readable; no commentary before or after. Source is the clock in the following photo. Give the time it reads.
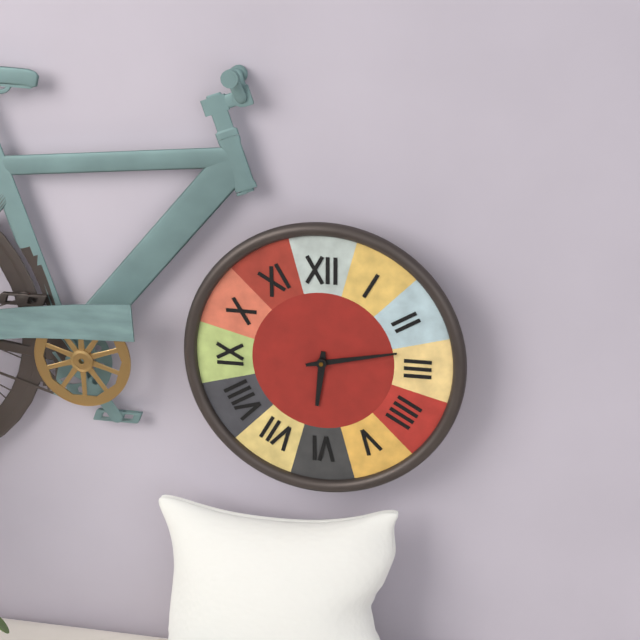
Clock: 6,13
